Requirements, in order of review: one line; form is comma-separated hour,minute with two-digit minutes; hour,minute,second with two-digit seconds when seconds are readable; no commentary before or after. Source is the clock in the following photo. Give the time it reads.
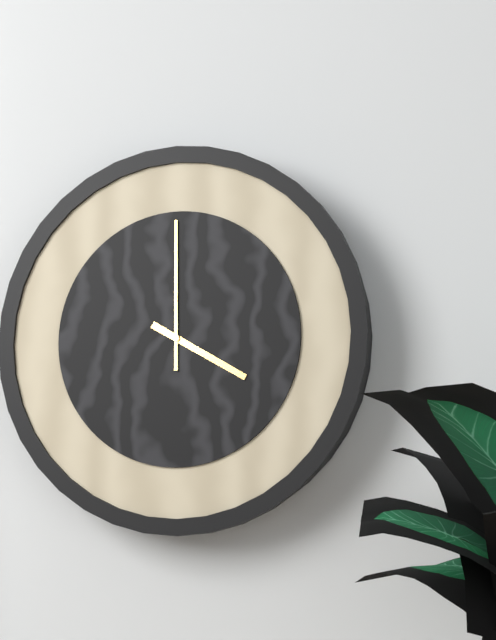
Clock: 4,00
